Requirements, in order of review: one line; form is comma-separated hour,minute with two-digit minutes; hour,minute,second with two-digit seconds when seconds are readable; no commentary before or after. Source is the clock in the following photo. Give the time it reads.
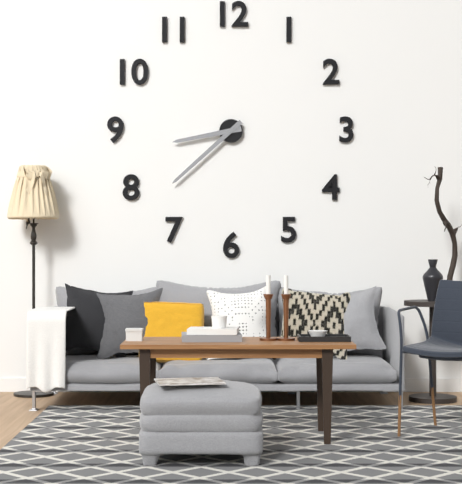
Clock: 8,38
